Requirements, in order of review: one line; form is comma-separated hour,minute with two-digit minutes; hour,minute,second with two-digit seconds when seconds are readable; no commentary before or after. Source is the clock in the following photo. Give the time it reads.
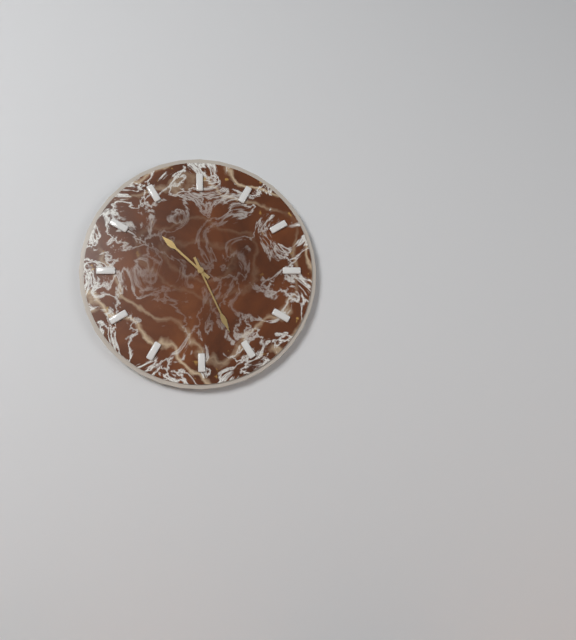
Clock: 10,26
